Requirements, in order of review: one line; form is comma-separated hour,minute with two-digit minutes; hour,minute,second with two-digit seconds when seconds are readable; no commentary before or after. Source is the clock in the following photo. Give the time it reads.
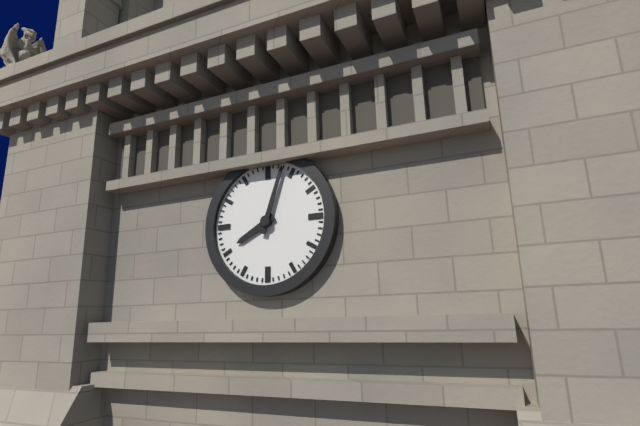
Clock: 8,03
